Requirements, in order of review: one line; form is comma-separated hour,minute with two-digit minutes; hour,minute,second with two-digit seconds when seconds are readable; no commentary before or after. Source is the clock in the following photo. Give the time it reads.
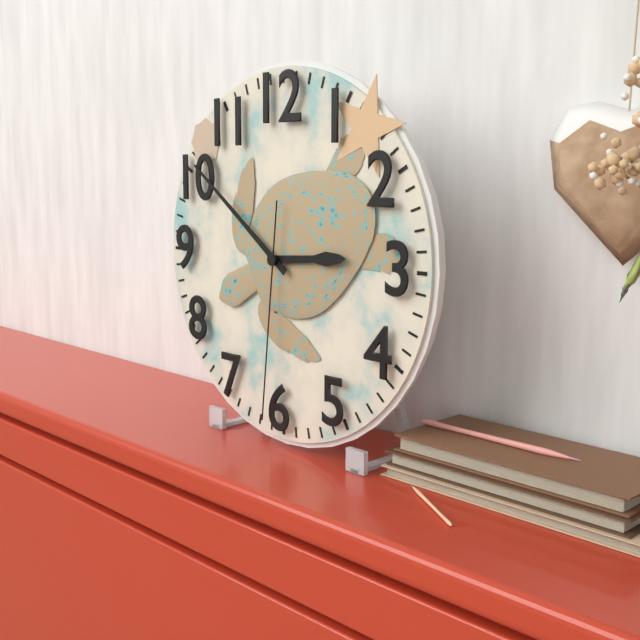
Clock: 2,51,31
